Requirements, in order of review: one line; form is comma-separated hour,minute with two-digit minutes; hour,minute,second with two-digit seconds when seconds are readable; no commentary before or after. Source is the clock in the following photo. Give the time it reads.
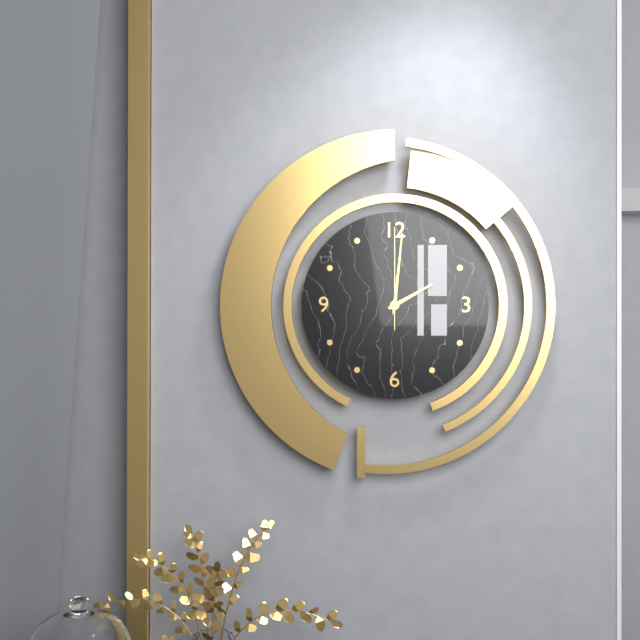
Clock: 2,01,00
